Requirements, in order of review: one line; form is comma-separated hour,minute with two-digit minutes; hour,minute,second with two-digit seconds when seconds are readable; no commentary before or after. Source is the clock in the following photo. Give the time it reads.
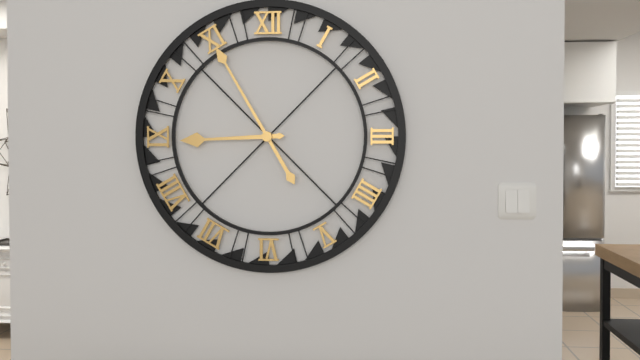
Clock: 8,55
